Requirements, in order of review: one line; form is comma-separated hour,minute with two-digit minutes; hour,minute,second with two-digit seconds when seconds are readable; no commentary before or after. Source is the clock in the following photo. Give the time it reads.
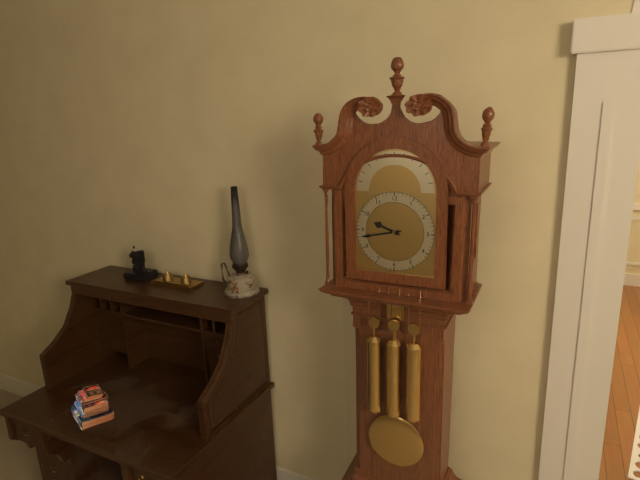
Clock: 9,43
